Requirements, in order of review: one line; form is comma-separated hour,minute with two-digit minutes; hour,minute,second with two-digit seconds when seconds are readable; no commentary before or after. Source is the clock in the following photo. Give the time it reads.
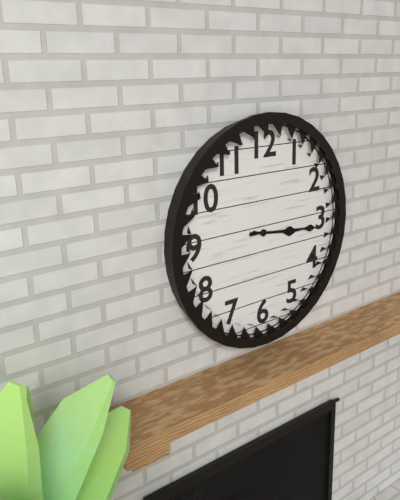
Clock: 3,16
